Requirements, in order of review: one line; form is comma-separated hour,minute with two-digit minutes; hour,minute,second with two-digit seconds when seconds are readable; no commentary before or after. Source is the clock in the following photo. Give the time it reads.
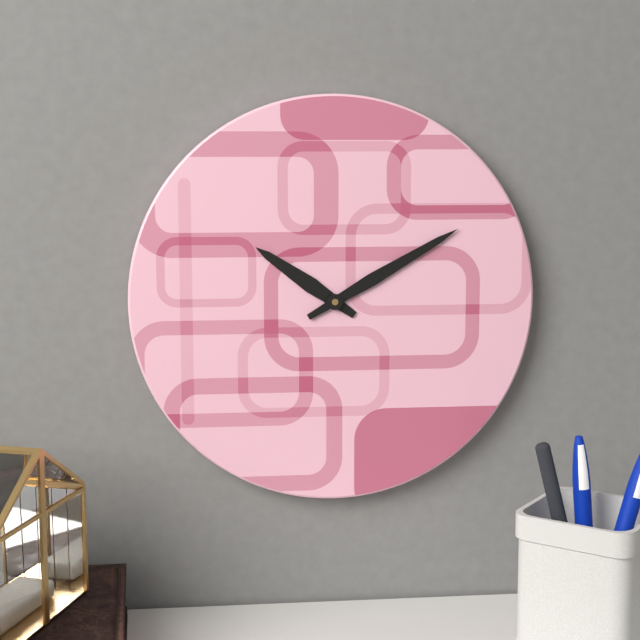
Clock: 10,10
